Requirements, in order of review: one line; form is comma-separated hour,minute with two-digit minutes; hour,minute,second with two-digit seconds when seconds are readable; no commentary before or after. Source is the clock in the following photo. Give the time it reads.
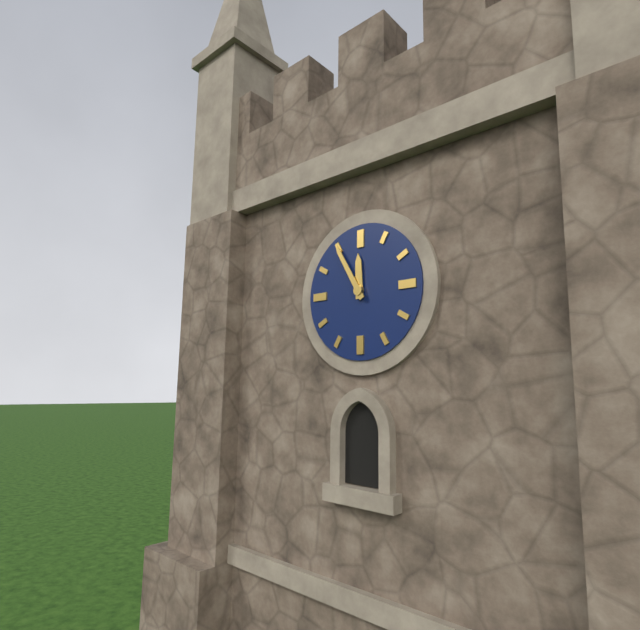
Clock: 11,55
